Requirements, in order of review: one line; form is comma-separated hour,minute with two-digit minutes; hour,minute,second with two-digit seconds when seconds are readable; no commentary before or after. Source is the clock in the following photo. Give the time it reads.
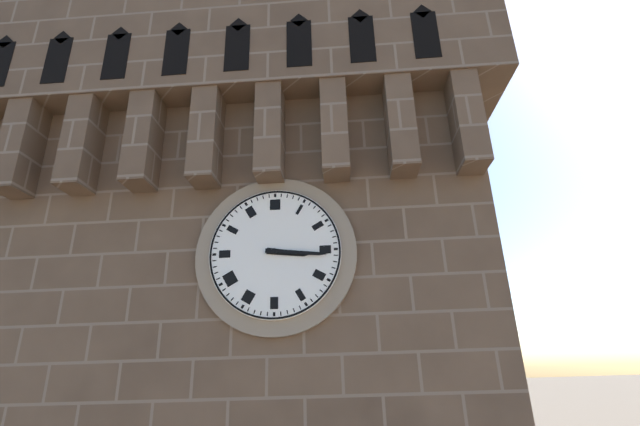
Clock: 3,16
